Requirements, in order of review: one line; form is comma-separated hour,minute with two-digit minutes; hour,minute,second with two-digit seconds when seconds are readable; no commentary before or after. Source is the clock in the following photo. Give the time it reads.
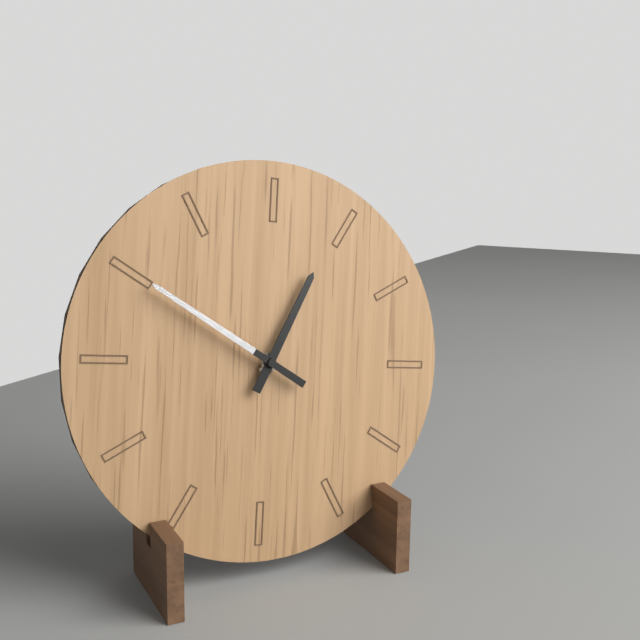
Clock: 12,50
